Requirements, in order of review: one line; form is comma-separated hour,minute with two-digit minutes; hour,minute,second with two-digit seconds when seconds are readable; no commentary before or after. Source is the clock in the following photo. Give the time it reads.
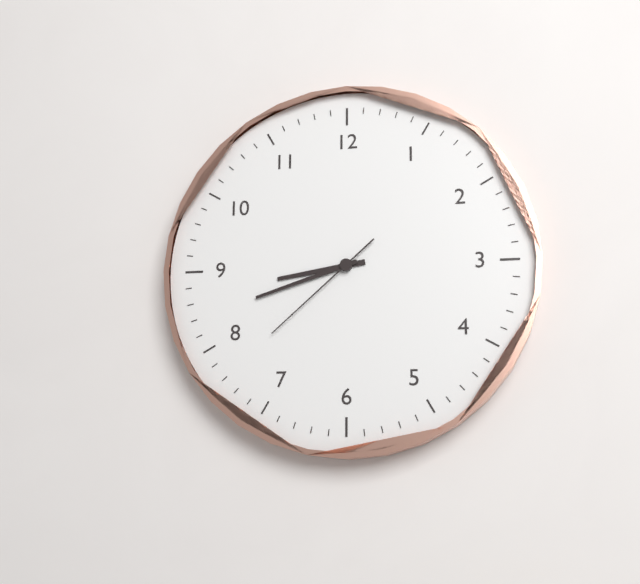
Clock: 8,42,38
